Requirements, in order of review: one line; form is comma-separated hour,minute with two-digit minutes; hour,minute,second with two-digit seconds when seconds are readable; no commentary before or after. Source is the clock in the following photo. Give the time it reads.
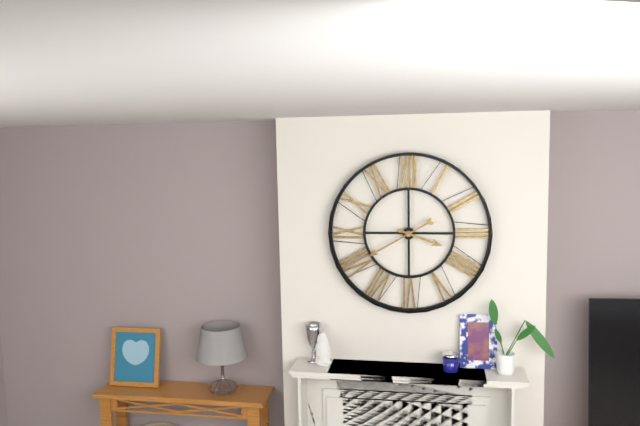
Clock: 3,40
